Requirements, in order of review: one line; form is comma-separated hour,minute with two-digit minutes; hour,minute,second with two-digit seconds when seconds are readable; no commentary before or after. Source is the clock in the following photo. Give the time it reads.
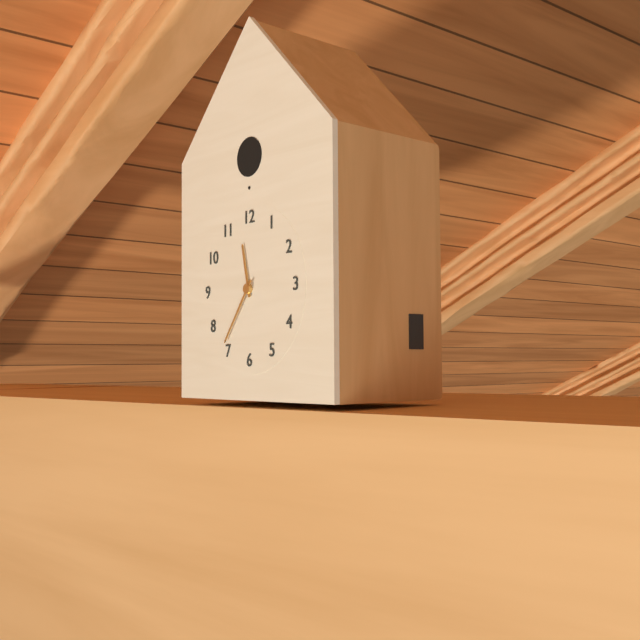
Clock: 11,36
